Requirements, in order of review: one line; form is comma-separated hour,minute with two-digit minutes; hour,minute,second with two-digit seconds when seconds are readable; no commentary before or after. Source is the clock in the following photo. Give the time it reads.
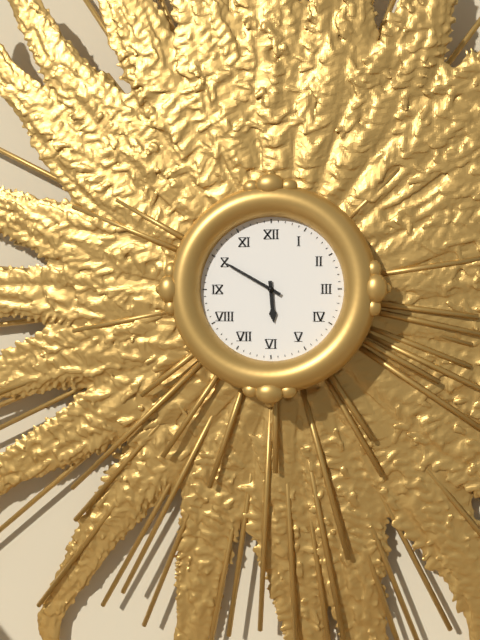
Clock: 5,50
